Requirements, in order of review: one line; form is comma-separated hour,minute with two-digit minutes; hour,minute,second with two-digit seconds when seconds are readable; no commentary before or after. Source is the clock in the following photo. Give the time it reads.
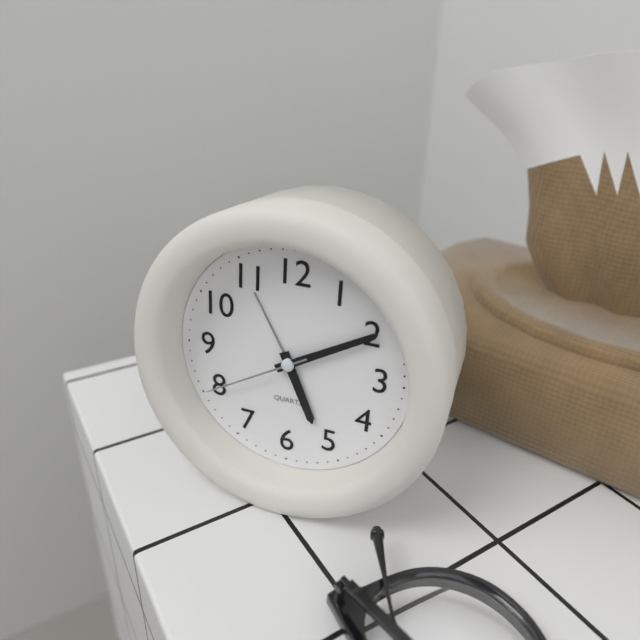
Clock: 5,10,40
